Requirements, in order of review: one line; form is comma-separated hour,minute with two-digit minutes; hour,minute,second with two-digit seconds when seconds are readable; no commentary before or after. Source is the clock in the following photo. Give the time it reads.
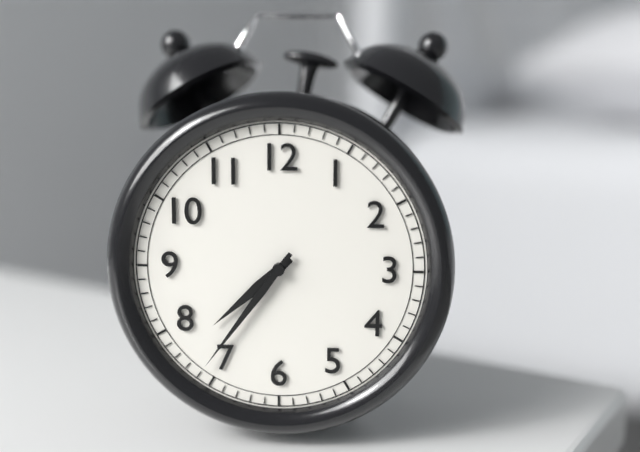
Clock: 7,36
